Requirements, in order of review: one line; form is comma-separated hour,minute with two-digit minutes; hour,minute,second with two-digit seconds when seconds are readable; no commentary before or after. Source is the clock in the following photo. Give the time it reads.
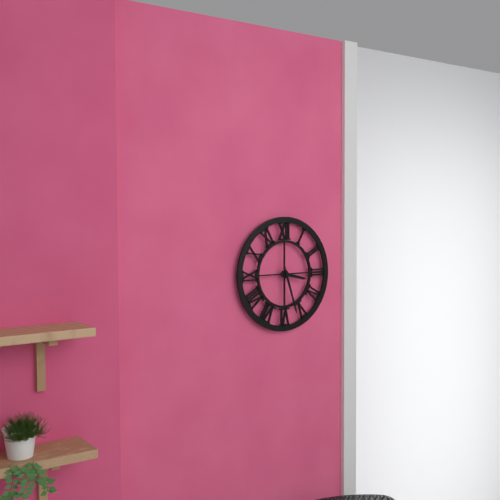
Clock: 3,27
